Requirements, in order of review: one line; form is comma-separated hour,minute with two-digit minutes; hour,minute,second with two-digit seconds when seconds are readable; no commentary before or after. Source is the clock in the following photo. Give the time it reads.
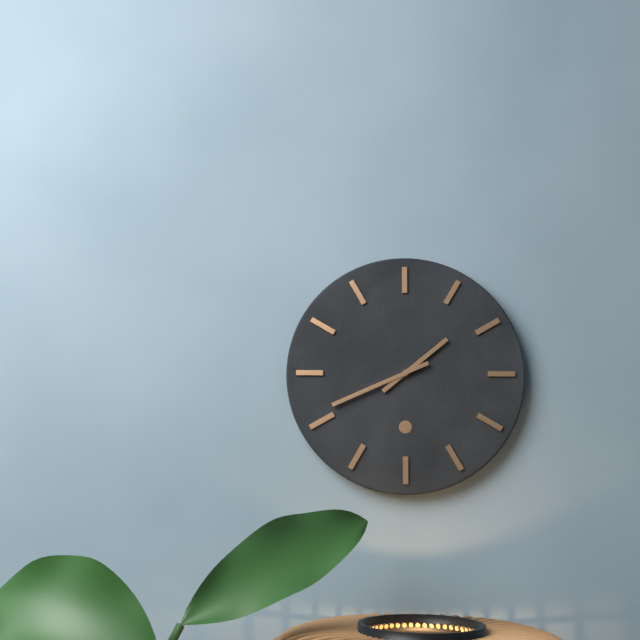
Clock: 1,41
